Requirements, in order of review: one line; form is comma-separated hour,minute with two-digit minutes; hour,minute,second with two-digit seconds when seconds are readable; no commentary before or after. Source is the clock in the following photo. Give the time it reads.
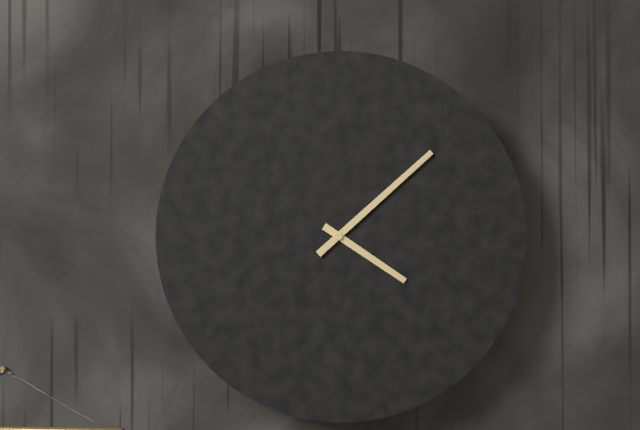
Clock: 4,08
